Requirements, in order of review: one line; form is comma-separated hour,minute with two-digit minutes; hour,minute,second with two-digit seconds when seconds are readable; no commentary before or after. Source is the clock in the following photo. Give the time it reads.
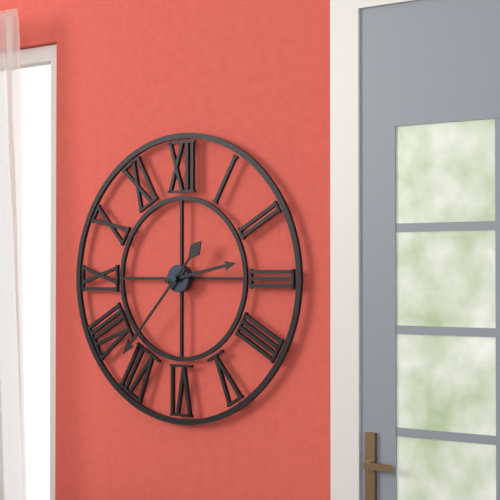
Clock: 2,37
